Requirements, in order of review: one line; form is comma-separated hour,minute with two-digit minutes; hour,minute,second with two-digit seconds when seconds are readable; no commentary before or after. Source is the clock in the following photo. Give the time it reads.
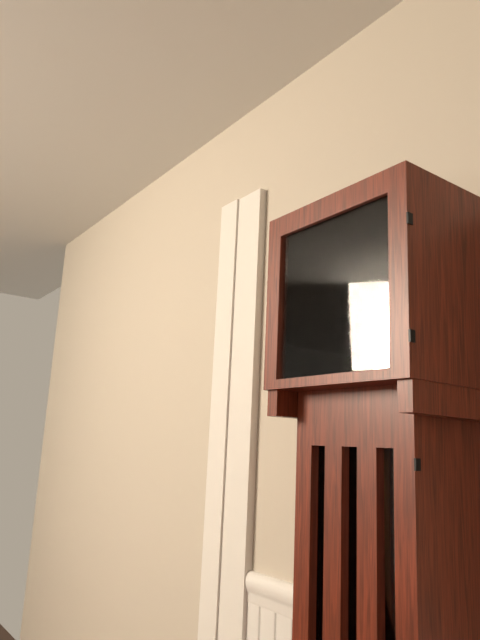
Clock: 4,01
